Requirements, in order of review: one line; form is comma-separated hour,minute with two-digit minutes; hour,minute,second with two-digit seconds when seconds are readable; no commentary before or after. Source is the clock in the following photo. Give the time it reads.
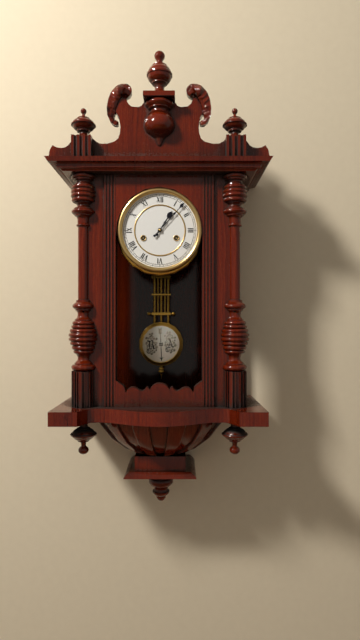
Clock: 1,07
